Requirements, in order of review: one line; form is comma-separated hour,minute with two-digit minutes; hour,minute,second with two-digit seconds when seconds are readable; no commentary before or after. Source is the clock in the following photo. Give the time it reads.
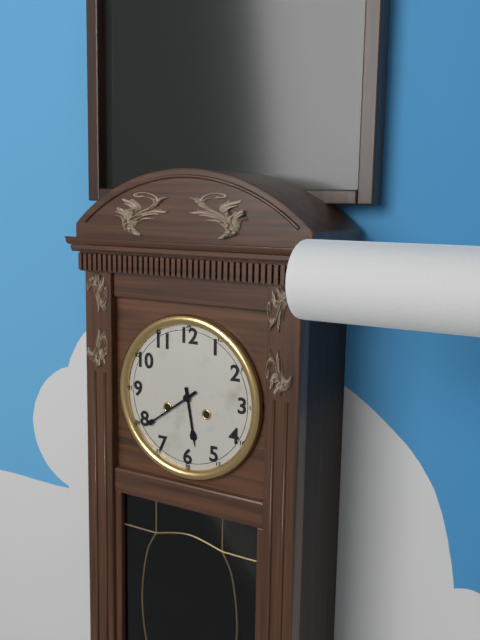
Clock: 5,39
